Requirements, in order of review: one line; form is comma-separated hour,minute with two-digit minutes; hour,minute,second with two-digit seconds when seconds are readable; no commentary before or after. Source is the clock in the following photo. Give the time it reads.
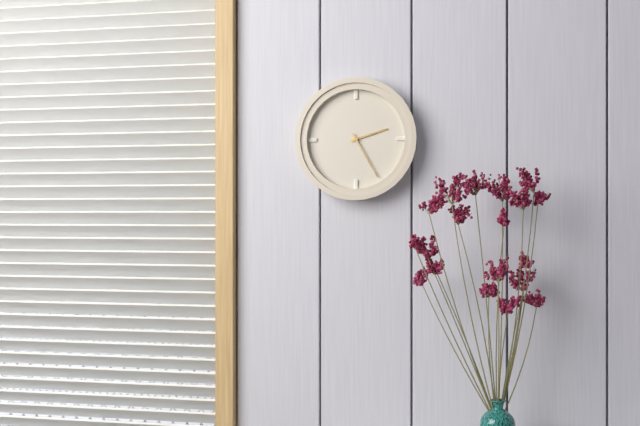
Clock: 2,25
